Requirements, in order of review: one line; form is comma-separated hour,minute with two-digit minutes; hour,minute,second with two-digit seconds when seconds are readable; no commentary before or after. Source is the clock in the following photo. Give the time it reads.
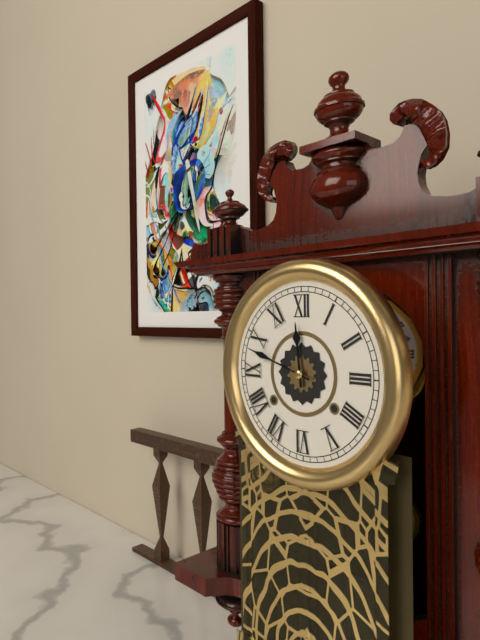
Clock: 11,48
